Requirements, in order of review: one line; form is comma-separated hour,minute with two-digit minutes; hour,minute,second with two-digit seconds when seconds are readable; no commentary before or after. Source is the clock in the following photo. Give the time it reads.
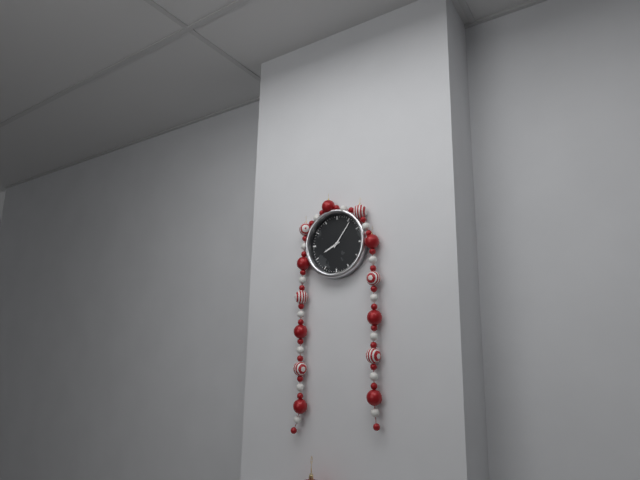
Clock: 8,06
